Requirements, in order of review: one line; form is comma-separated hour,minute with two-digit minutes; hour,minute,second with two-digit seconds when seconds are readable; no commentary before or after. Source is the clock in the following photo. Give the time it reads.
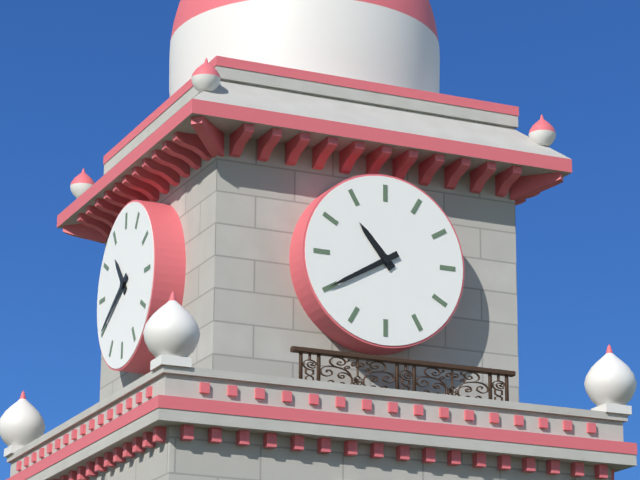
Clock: 10,40
